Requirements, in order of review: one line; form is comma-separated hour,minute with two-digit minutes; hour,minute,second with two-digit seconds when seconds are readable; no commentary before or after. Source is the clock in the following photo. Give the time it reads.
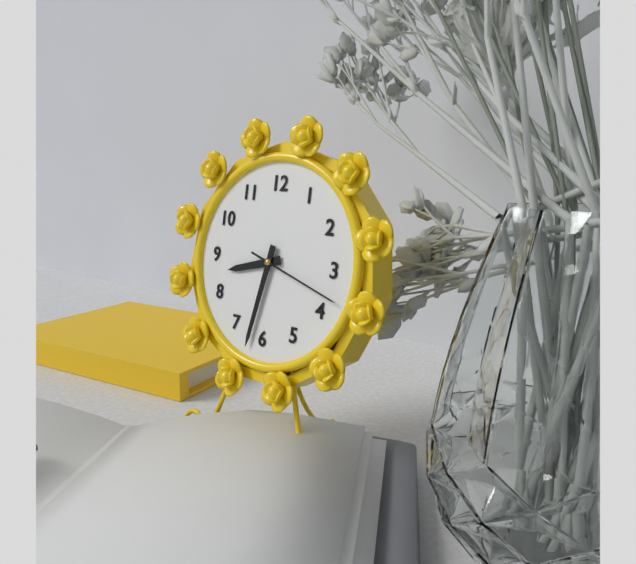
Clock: 8,32,18
